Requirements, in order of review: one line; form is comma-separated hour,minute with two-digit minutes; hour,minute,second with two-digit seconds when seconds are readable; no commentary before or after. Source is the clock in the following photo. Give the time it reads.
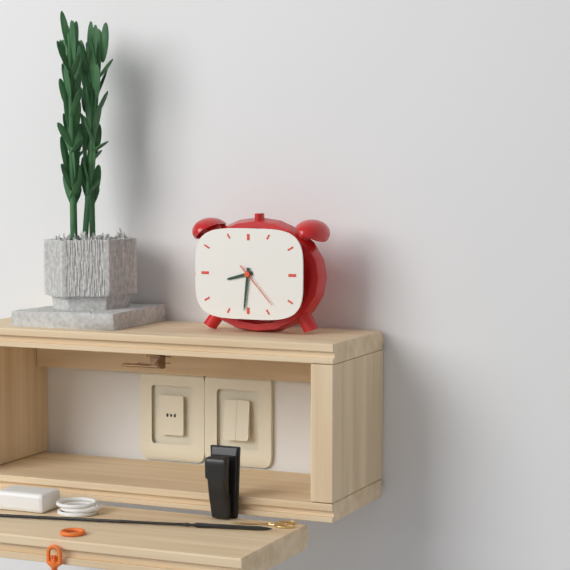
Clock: 8,31
